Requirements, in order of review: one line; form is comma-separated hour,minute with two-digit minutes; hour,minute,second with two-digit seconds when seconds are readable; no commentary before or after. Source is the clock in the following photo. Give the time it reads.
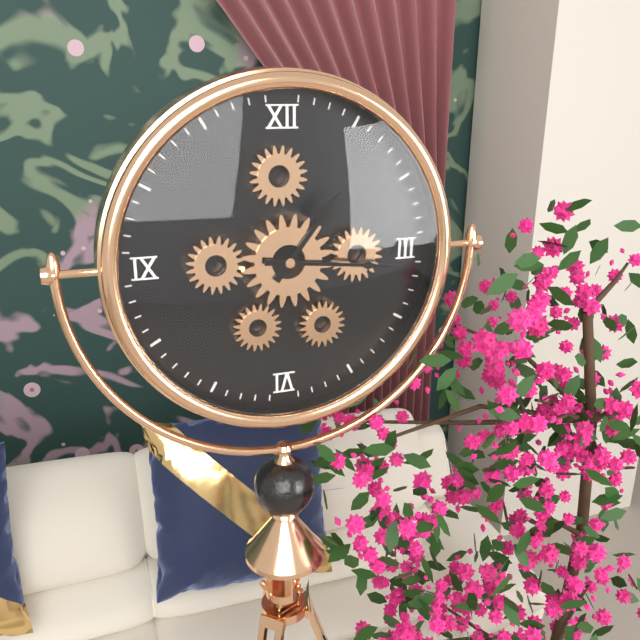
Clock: 1,16
